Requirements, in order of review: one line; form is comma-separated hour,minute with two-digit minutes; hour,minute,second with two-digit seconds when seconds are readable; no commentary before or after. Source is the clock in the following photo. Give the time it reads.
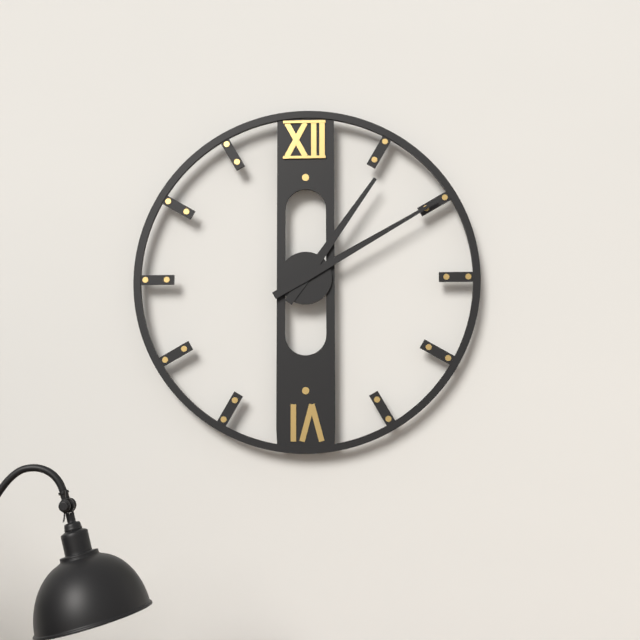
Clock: 1,10
